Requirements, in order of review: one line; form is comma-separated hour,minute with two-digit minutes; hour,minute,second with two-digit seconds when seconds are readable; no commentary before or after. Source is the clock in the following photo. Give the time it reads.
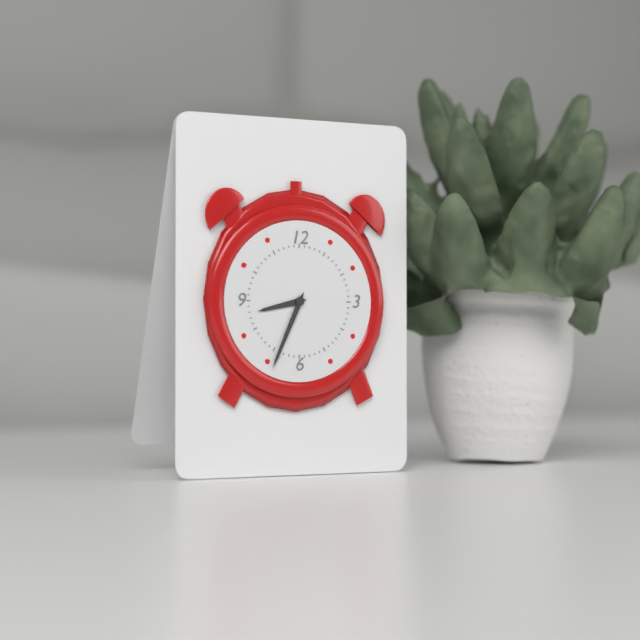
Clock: 8,34
